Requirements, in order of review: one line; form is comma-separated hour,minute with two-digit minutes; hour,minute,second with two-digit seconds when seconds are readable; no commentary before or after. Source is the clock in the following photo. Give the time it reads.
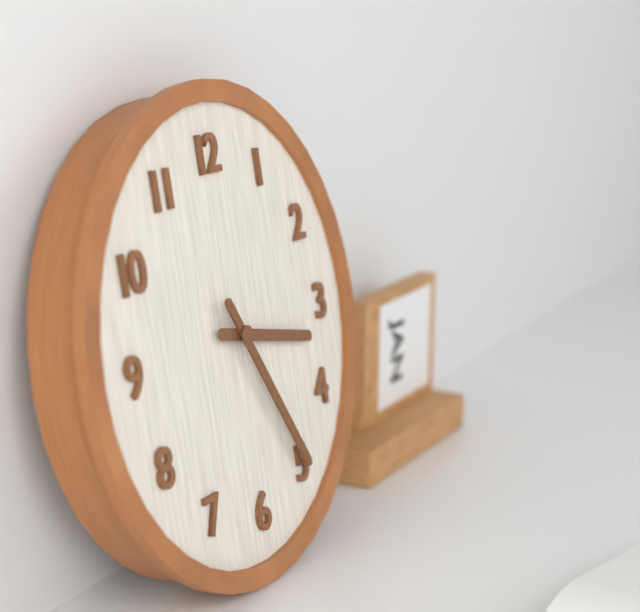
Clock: 3,25
